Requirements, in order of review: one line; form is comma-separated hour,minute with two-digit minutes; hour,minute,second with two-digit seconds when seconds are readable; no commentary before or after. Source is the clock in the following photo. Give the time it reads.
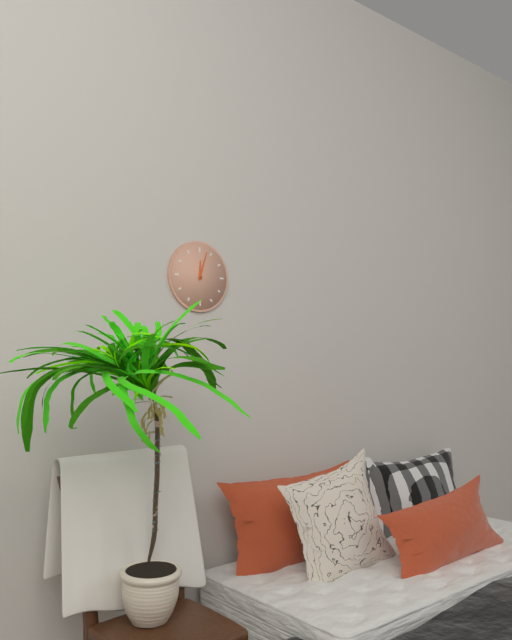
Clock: 12,03
